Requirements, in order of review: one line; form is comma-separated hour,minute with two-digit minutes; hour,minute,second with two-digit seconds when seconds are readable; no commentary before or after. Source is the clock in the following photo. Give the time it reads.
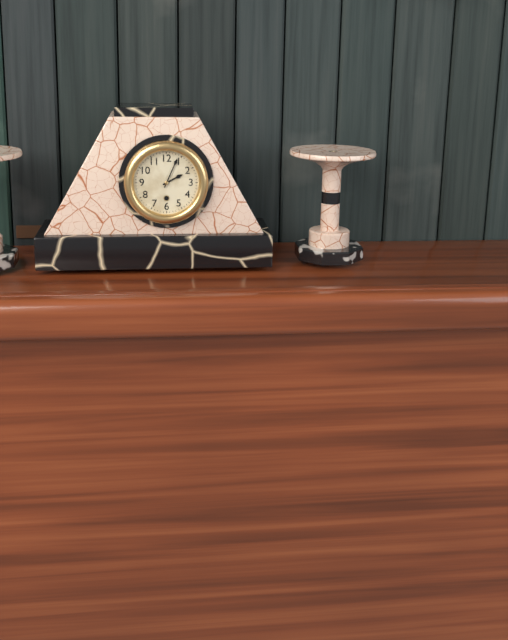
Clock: 2,04
